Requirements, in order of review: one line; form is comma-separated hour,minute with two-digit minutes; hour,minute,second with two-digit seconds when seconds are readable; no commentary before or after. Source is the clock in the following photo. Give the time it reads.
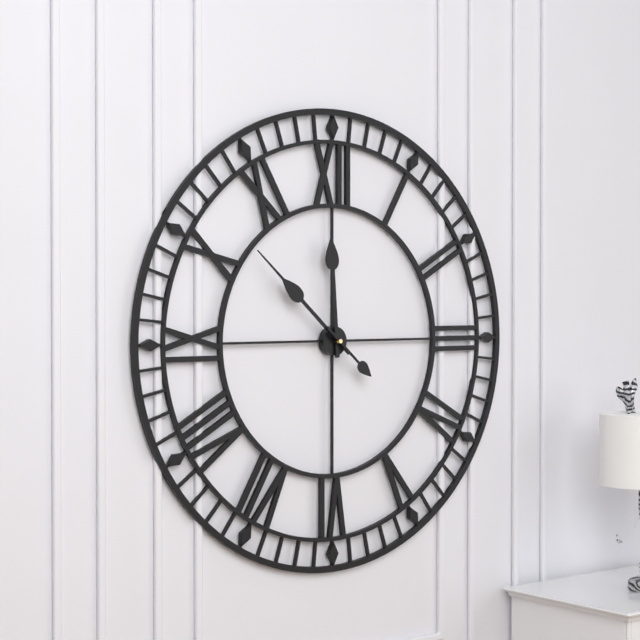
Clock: 11,52,22
